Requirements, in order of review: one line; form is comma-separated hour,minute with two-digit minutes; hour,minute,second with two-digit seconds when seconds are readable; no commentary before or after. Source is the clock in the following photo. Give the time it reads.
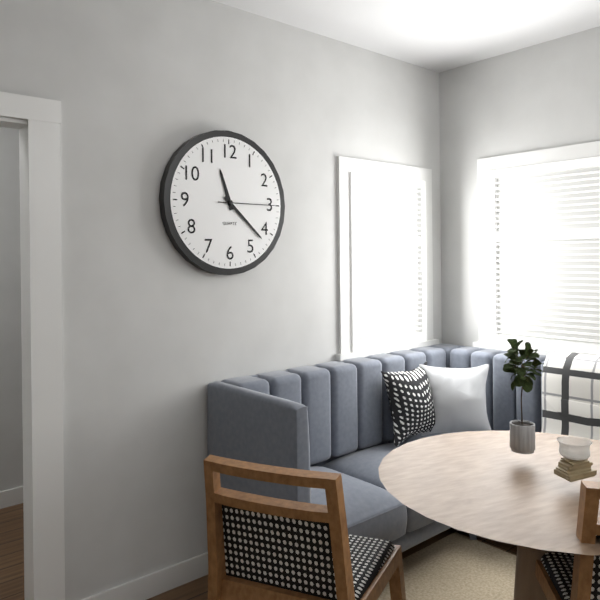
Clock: 11,22,15
